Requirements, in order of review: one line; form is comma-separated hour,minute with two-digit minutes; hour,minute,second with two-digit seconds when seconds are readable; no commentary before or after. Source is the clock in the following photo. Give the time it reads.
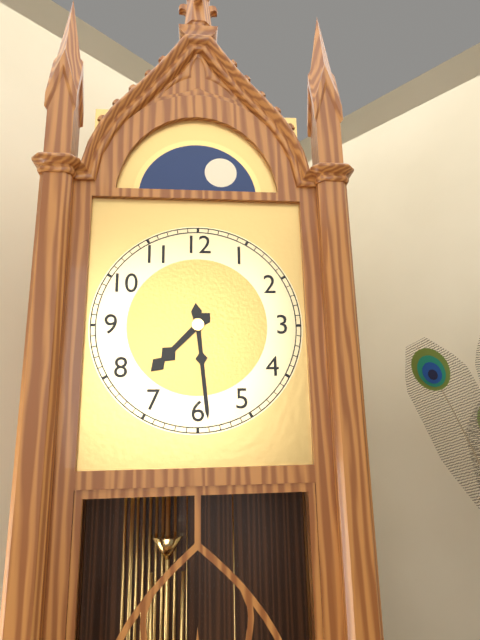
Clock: 7,29
